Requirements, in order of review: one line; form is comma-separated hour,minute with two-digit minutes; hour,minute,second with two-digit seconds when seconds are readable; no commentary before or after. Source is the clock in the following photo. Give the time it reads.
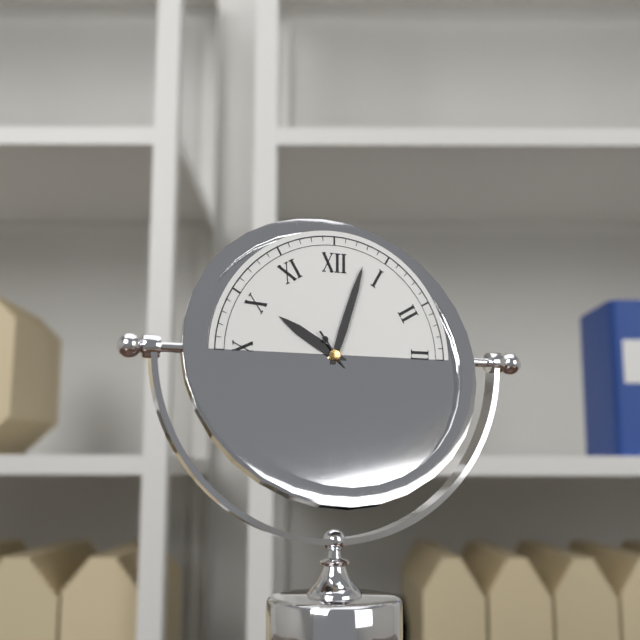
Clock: 10,03
